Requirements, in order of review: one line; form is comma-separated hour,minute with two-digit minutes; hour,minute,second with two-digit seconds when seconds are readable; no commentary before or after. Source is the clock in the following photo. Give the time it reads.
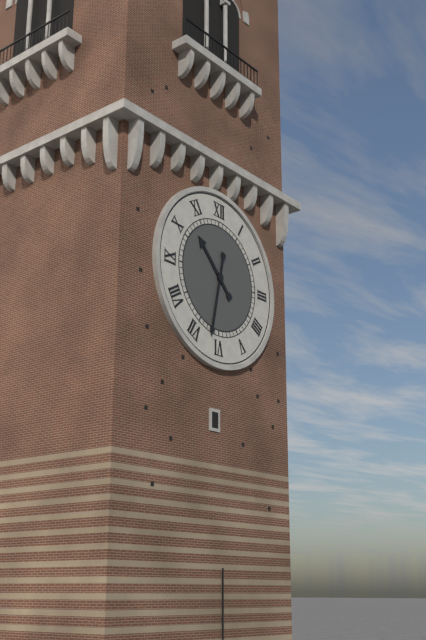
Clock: 10,32
